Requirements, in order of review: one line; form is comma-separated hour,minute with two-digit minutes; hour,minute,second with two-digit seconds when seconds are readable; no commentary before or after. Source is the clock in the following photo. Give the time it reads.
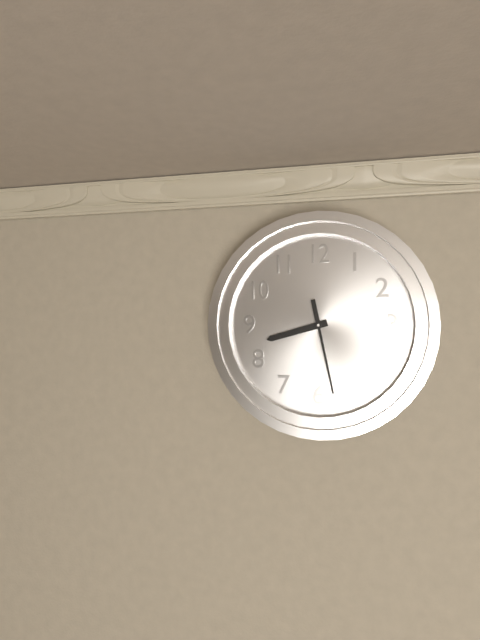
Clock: 8,28
